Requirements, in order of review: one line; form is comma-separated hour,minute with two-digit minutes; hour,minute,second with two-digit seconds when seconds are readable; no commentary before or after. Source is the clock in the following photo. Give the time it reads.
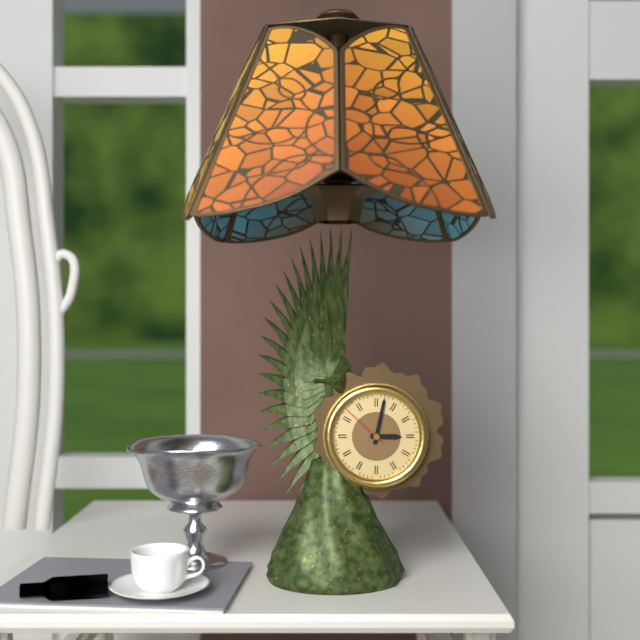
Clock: 3,02,52
